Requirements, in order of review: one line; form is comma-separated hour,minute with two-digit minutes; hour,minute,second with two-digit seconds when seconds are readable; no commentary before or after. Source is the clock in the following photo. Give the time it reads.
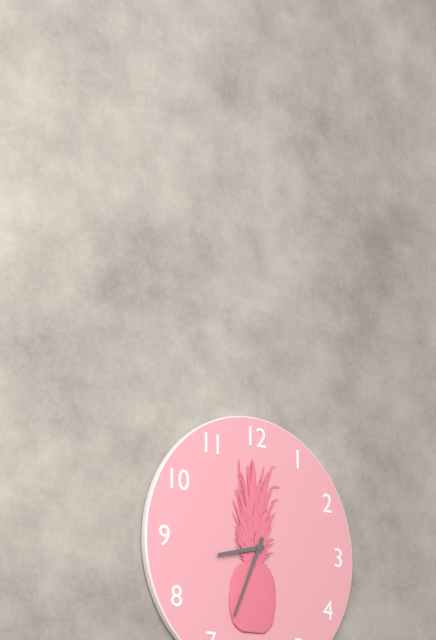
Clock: 8,34
